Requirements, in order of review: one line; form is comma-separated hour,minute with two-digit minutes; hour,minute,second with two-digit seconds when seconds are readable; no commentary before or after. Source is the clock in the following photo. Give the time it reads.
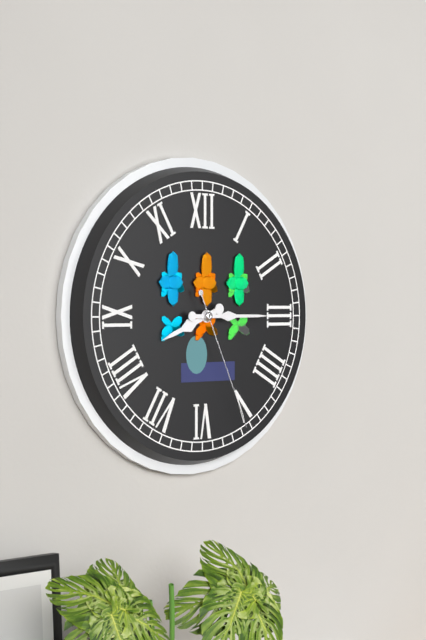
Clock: 8,15,26
